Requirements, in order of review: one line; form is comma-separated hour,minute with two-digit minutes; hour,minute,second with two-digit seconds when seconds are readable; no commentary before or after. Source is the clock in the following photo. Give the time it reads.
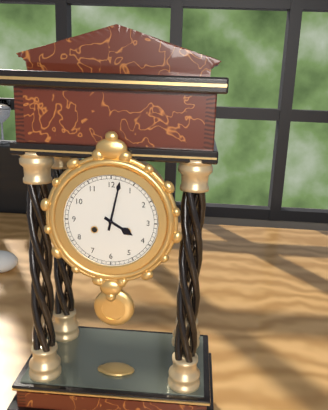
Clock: 4,02
